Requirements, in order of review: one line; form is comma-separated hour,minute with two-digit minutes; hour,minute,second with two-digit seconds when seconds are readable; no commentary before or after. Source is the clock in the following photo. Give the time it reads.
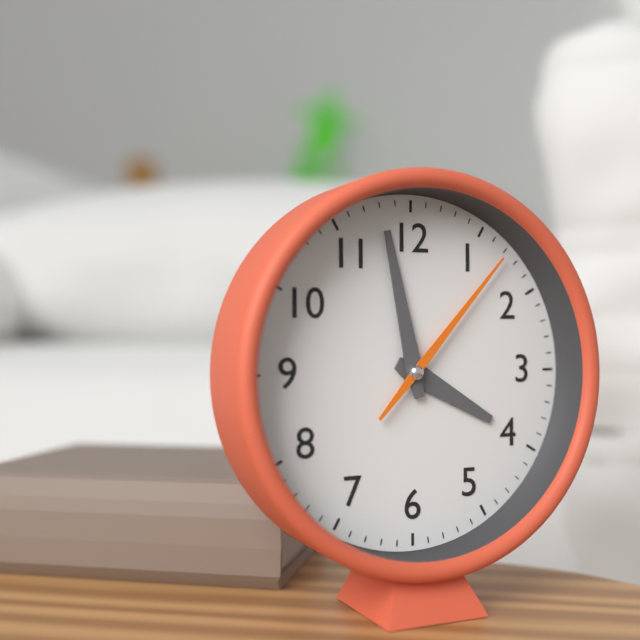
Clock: 3,58,07
